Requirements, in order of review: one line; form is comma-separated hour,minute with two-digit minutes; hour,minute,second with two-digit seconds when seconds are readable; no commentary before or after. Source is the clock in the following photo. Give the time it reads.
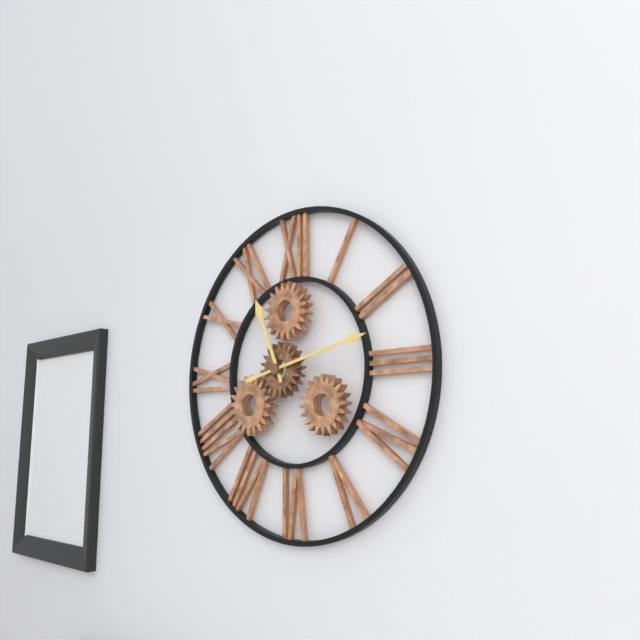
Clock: 11,13
